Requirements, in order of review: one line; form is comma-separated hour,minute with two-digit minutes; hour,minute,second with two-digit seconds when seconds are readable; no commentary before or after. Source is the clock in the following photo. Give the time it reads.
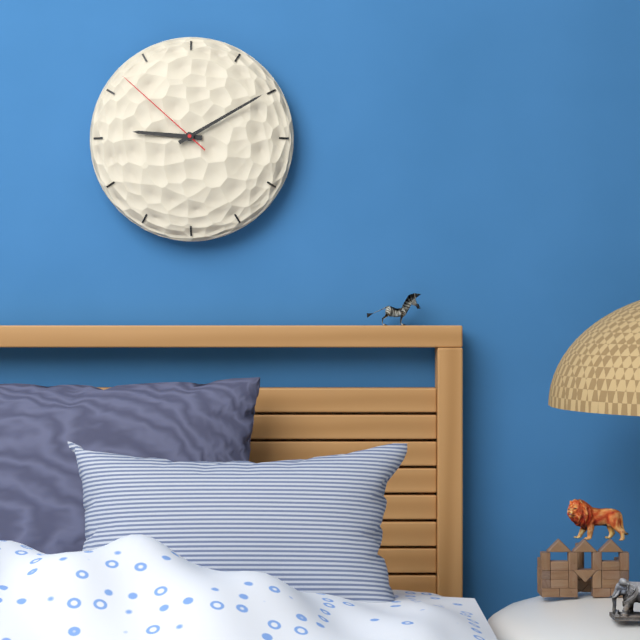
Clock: 9,10,52
